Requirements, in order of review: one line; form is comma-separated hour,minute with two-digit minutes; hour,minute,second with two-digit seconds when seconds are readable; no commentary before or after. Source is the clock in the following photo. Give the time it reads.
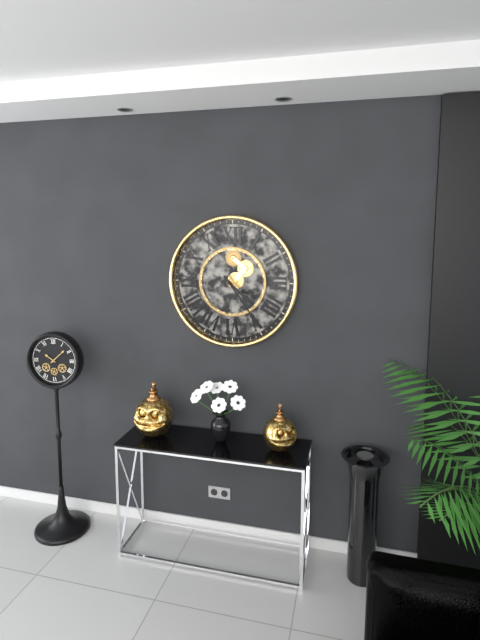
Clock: 4,24
